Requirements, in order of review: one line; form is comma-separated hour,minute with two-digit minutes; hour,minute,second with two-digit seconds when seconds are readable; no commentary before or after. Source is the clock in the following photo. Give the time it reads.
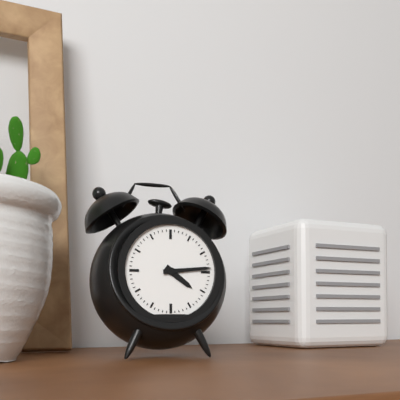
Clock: 4,14
